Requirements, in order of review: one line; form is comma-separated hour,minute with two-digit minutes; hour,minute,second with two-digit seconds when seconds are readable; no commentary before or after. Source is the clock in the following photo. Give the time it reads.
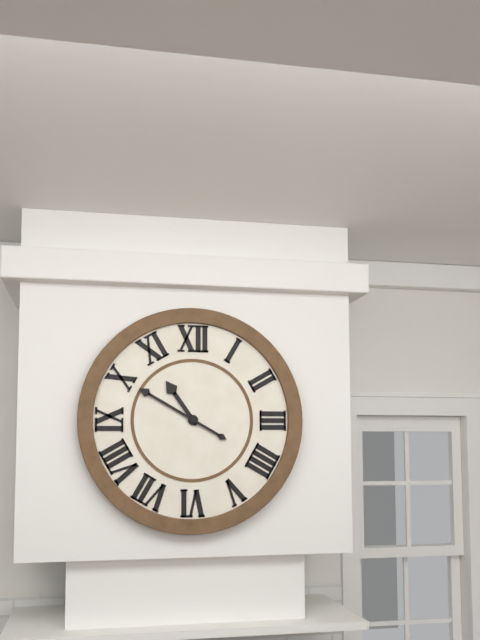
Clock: 10,50
